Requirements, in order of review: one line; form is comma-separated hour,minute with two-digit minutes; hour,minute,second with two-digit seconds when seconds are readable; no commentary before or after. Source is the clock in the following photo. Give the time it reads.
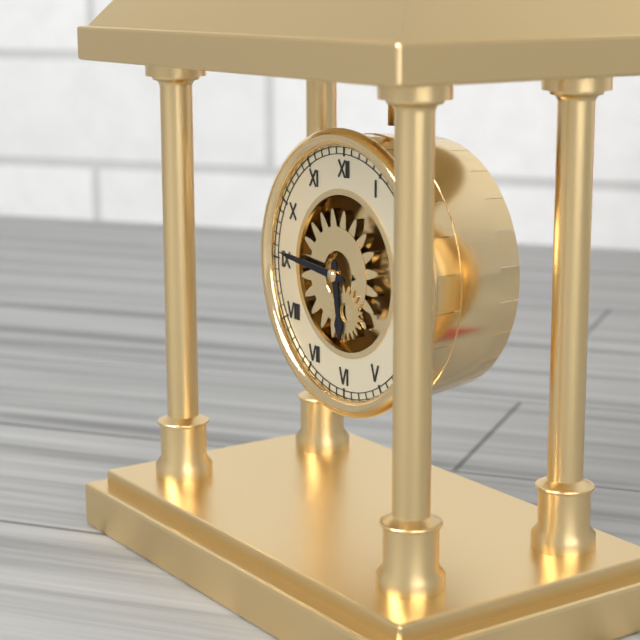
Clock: 5,46
